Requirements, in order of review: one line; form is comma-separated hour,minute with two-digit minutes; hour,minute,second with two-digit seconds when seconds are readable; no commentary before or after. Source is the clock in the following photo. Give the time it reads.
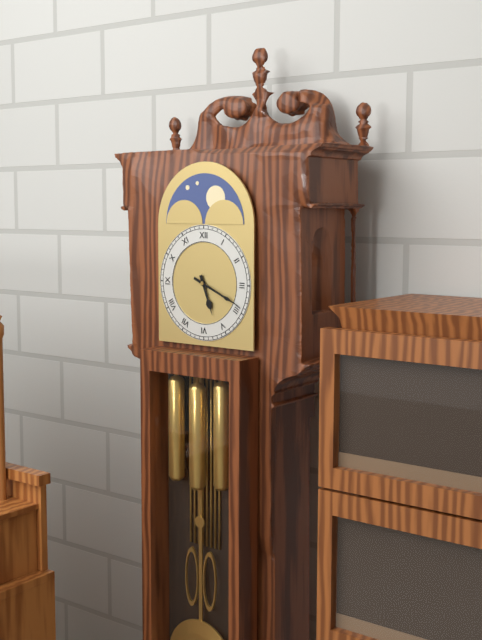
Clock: 5,19
